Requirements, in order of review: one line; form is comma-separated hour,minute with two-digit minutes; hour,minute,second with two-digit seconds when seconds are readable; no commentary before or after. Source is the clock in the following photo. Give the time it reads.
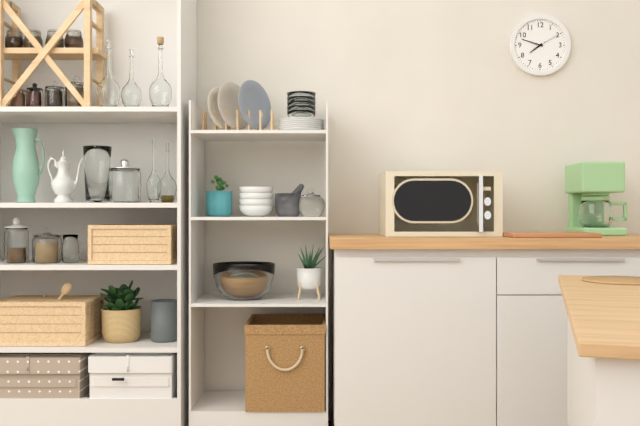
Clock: 7,48
